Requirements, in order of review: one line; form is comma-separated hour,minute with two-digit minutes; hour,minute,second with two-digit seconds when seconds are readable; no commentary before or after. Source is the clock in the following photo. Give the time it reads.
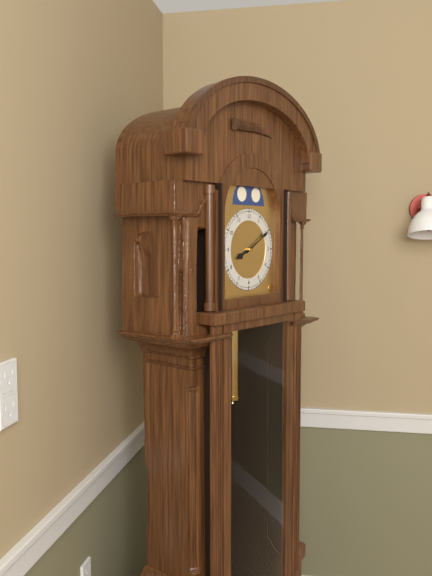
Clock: 8,10
